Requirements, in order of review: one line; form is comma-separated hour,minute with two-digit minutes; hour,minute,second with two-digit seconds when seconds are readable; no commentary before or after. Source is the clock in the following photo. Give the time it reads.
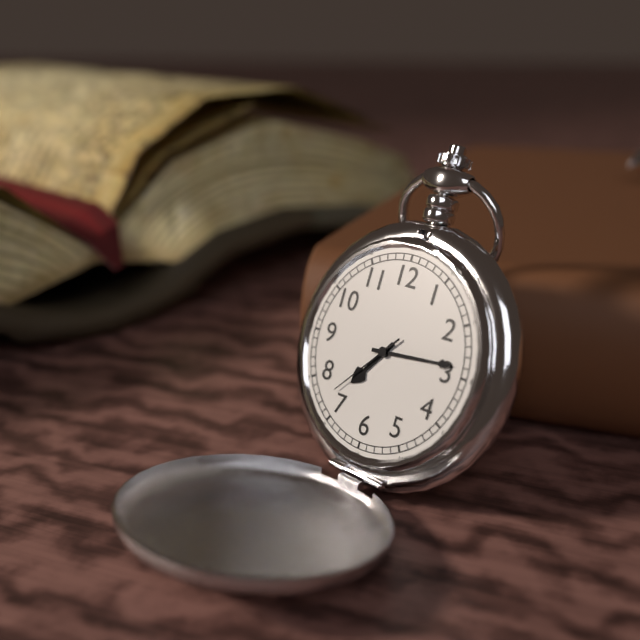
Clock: 7,14,37
